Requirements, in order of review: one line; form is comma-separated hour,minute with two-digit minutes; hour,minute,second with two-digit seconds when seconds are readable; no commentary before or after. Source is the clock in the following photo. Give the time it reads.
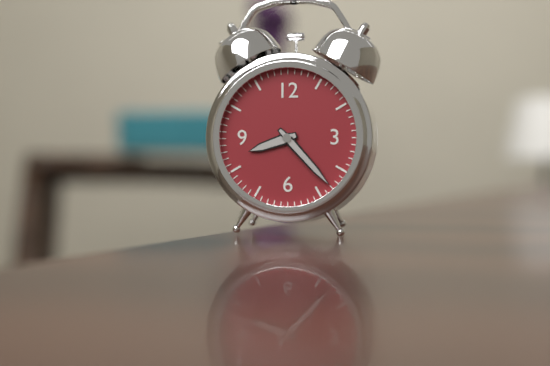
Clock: 8,23
